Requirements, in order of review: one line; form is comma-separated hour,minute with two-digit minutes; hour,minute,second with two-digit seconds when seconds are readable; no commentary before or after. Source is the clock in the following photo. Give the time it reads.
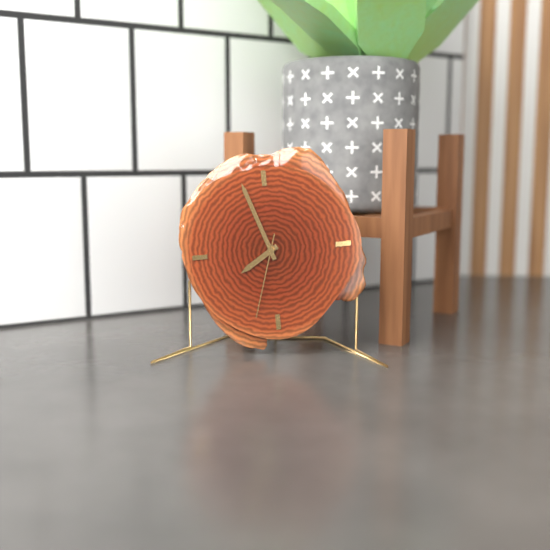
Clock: 7,57,33
